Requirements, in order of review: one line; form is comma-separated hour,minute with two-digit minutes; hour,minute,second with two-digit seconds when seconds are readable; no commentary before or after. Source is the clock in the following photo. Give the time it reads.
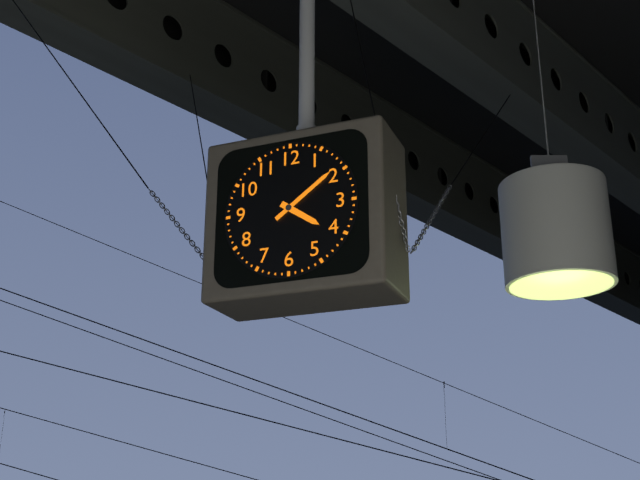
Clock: 4,09
